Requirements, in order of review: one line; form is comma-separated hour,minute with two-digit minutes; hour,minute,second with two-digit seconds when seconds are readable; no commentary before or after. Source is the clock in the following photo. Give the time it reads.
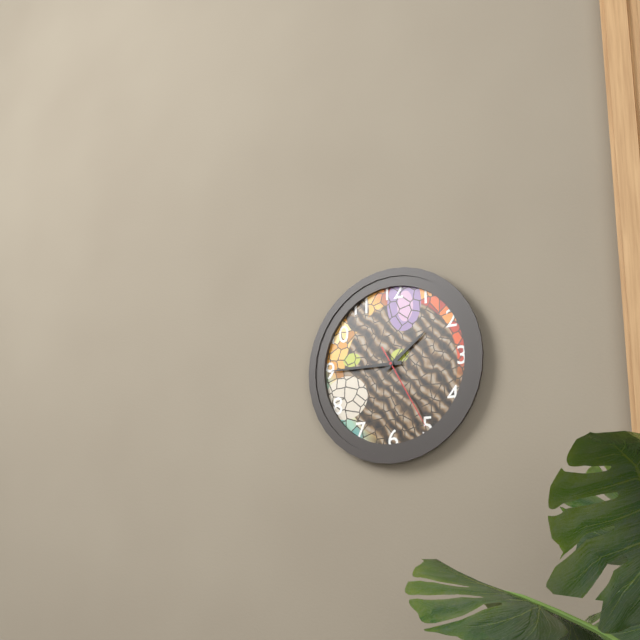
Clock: 1,45,25
